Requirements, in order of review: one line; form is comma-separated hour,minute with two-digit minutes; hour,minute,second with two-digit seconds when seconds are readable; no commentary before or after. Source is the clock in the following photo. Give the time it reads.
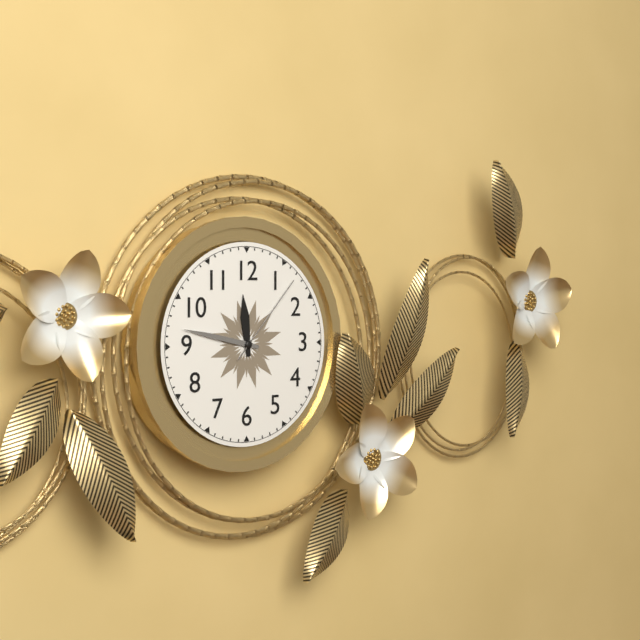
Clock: 11,47,07
